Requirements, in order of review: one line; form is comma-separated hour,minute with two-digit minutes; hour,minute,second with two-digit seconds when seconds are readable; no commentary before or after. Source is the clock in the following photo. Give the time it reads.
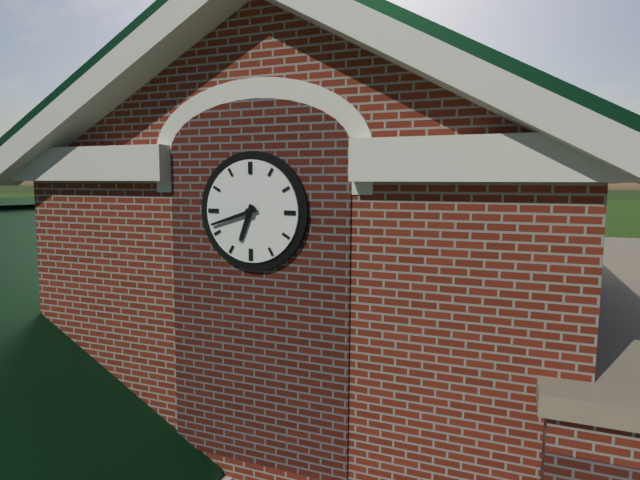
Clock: 6,42
